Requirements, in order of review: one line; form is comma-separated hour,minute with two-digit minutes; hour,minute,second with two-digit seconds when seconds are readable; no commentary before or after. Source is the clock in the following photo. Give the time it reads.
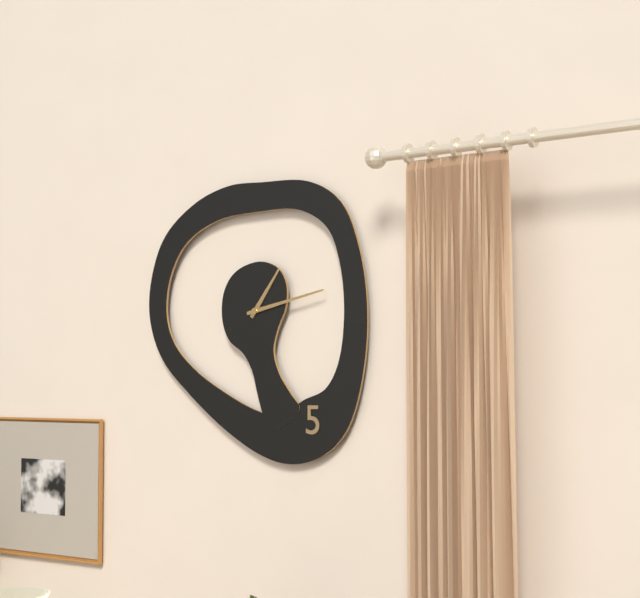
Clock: 1,13
